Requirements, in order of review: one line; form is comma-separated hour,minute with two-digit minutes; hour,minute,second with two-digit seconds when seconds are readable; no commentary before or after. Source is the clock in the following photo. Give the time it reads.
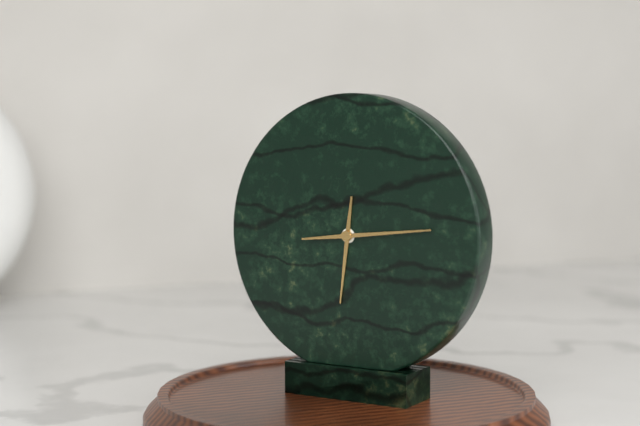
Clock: 6,14
